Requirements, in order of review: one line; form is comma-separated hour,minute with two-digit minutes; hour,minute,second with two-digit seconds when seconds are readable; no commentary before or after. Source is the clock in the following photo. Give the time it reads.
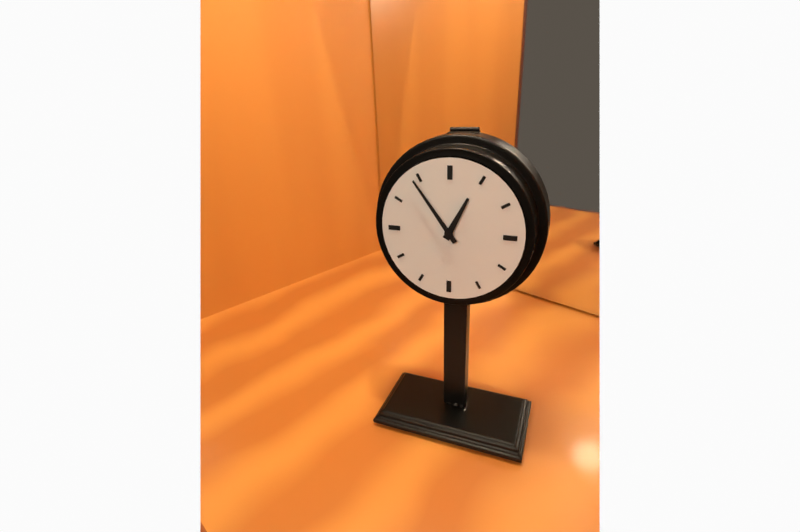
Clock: 12,54
